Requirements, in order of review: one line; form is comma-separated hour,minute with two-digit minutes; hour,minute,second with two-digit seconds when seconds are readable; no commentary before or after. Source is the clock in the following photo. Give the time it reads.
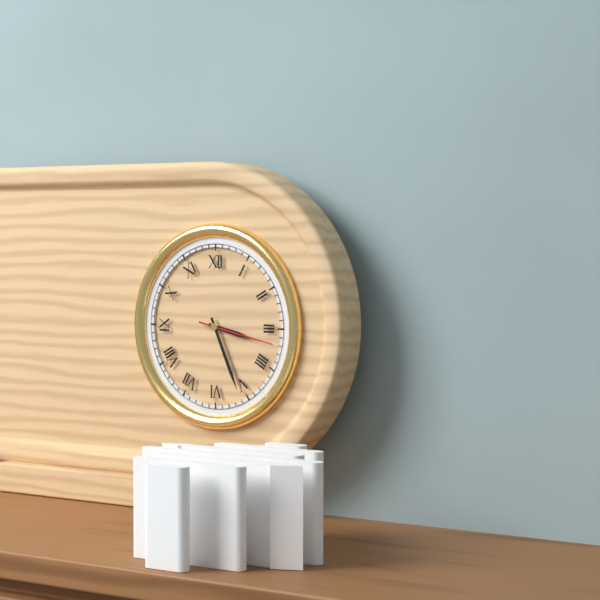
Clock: 3,26
